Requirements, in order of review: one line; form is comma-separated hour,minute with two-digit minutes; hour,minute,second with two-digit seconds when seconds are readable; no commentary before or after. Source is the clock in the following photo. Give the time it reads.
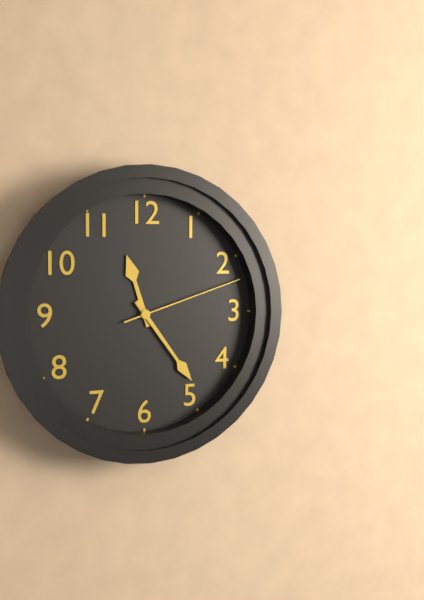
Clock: 11,24,12
